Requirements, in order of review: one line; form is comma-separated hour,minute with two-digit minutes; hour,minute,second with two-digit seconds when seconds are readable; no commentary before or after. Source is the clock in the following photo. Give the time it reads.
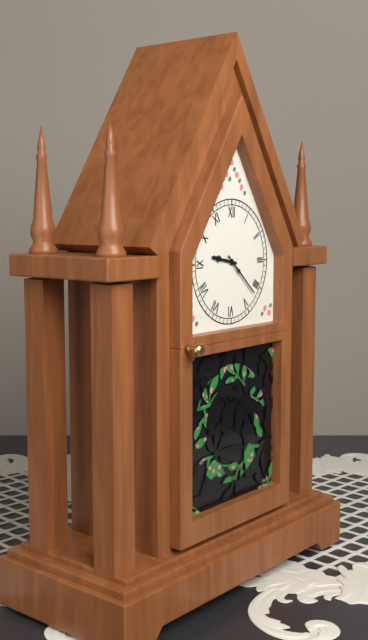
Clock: 9,22
